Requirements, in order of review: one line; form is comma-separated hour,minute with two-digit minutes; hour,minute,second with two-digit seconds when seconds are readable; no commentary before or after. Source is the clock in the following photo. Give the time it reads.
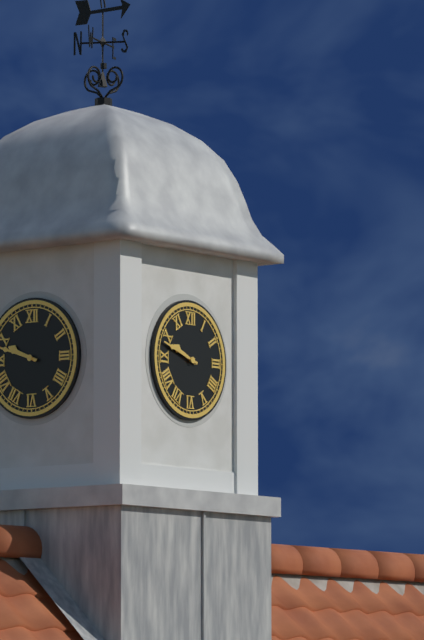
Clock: 9,48
